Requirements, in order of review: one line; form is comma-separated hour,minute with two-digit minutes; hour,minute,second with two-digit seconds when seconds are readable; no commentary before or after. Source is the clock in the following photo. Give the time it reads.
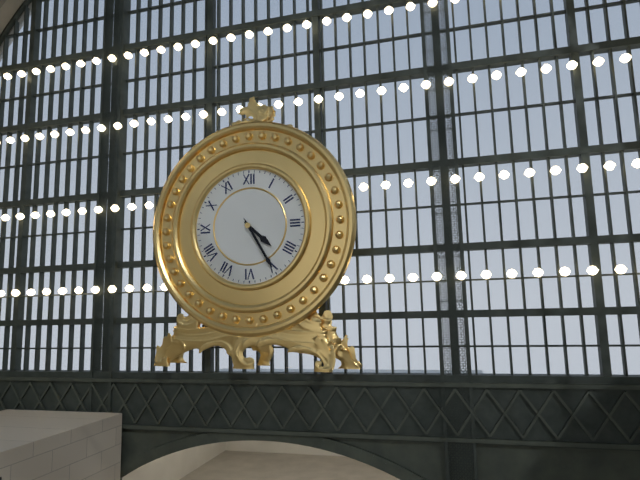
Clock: 4,25
